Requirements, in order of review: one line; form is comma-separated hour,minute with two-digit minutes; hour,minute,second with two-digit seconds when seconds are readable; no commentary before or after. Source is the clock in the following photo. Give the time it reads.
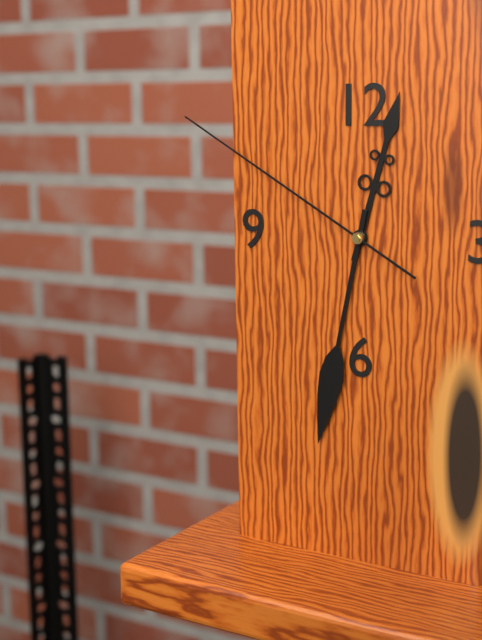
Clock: 12,32,50
